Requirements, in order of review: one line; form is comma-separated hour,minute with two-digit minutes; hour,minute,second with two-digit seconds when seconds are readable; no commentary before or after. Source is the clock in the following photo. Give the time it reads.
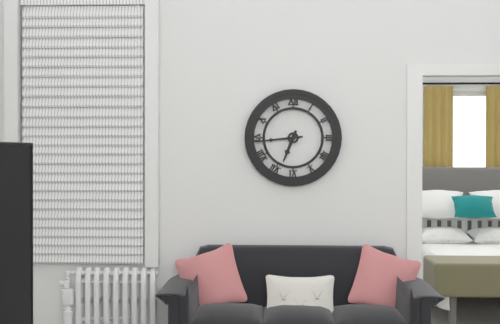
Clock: 6,44
